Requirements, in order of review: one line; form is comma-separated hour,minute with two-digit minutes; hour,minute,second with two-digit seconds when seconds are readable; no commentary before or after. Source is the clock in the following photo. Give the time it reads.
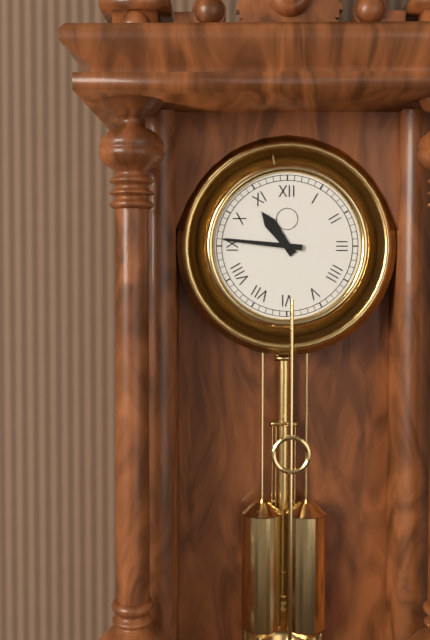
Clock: 10,46
